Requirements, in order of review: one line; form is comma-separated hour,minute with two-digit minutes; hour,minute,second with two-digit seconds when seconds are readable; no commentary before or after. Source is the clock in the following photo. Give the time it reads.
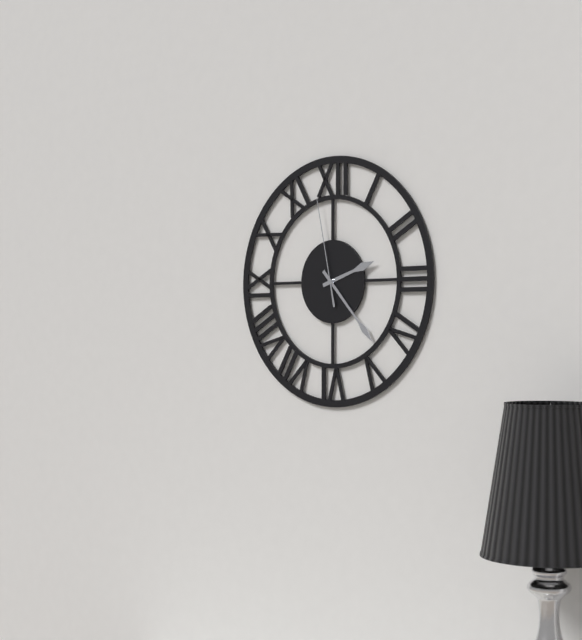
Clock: 2,23,58
